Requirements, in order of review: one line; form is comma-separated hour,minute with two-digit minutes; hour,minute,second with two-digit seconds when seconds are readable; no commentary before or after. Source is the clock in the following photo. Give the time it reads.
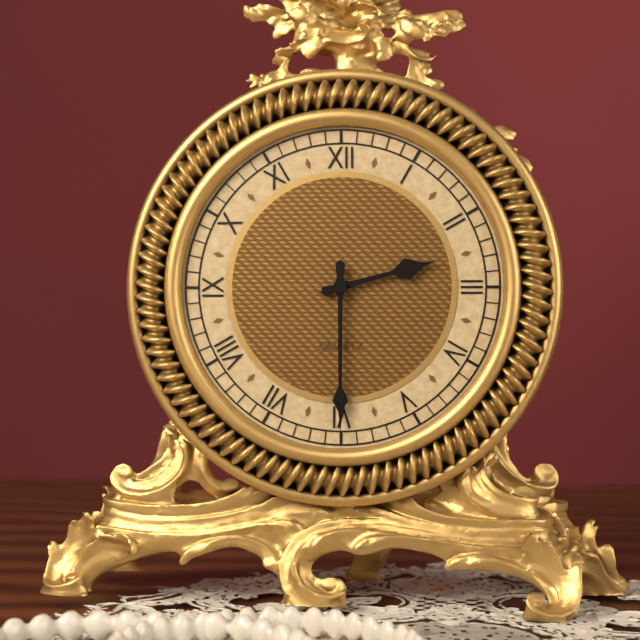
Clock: 2,30
